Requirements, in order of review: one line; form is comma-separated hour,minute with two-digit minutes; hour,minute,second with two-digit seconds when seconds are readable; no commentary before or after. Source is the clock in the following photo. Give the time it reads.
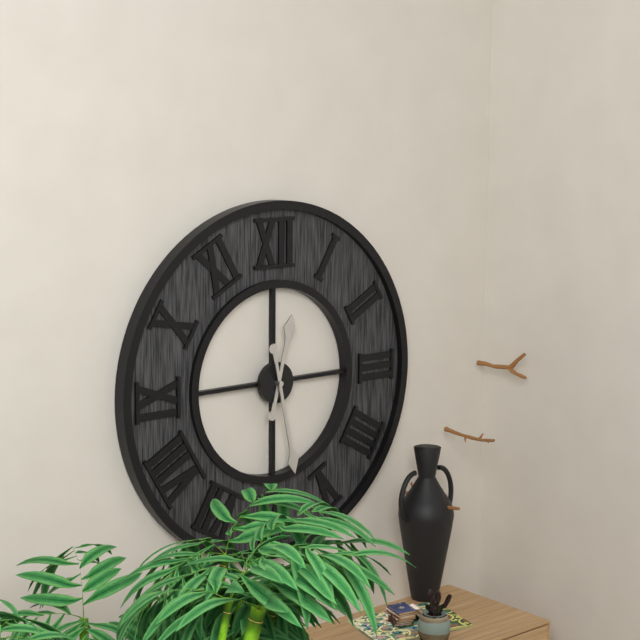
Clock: 12,28
